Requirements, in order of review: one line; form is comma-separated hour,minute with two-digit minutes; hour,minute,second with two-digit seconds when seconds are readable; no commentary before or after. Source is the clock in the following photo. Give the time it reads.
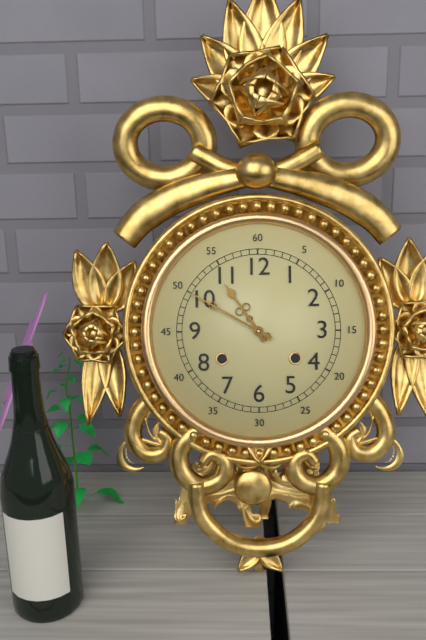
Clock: 10,50
